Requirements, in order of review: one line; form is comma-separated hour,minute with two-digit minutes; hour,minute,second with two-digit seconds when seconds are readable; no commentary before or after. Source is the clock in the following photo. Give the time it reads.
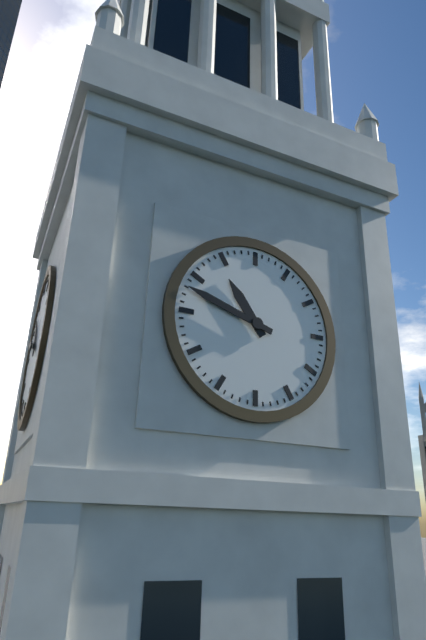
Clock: 10,48
